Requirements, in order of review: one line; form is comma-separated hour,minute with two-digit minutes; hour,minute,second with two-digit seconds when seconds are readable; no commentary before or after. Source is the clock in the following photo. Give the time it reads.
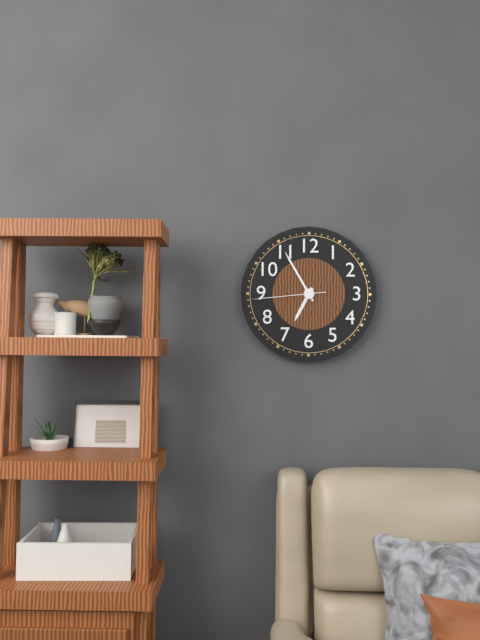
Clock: 6,55,44
